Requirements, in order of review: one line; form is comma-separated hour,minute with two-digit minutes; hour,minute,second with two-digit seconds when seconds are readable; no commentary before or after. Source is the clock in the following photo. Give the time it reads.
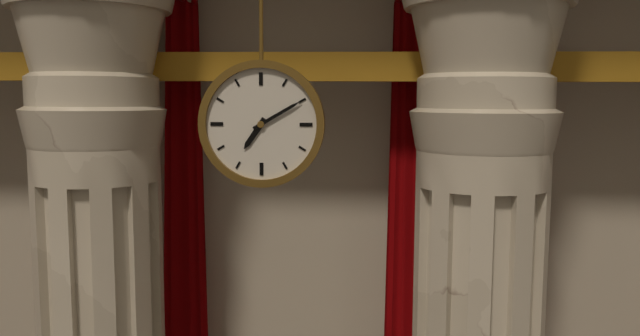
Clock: 7,10
